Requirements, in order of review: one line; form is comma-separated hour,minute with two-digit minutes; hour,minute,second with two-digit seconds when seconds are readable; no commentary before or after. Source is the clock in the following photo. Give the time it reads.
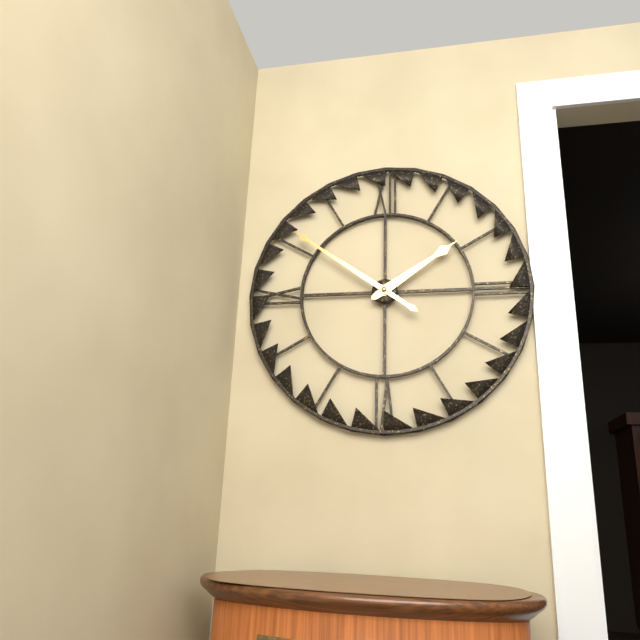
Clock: 1,51
